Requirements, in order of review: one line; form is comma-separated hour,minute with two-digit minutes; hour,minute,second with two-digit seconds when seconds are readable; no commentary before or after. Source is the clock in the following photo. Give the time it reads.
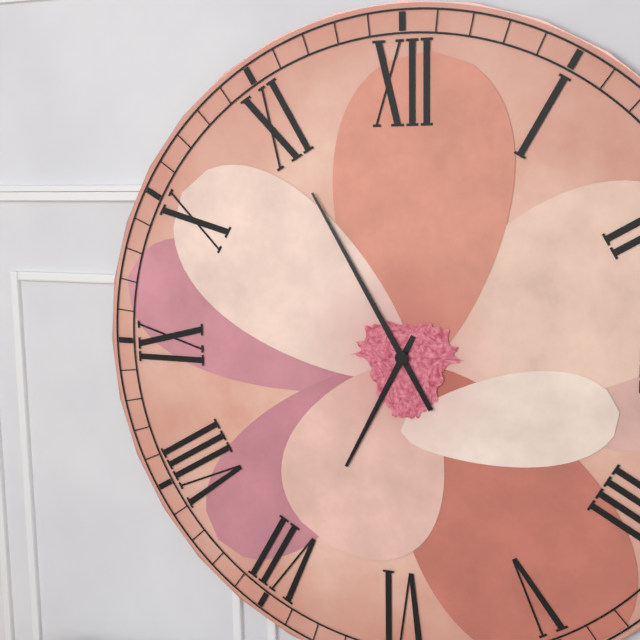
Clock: 6,55
